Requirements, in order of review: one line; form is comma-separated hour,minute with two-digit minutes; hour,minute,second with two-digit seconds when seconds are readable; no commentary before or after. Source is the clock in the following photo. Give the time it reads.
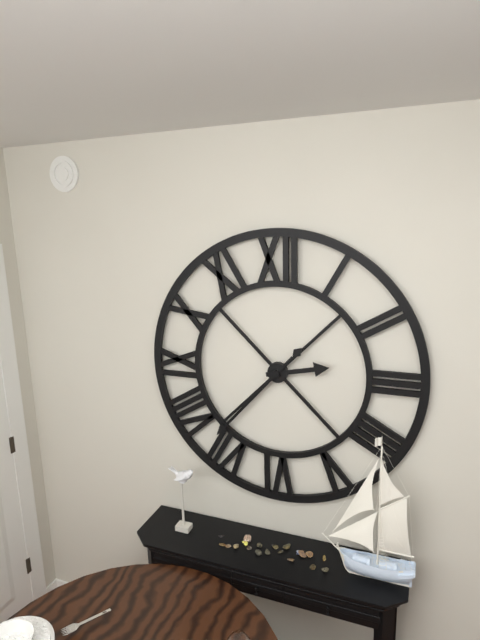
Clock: 2,37
